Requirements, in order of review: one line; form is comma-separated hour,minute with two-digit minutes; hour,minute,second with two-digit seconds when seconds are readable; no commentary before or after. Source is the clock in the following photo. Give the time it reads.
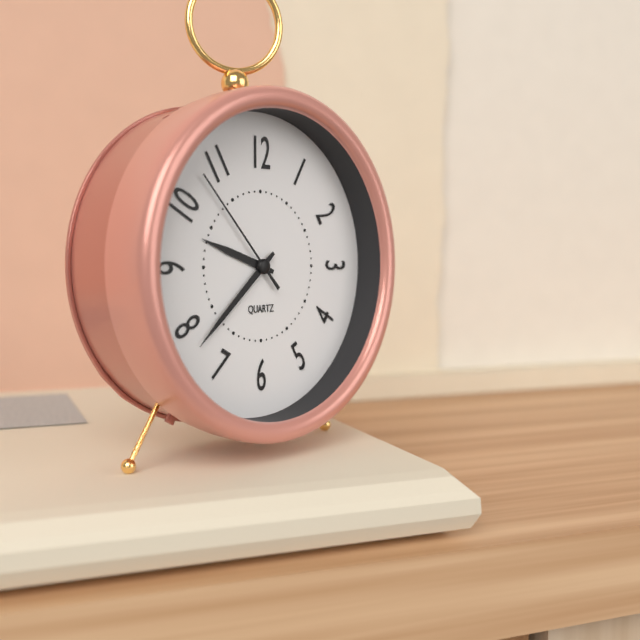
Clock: 9,38,53
